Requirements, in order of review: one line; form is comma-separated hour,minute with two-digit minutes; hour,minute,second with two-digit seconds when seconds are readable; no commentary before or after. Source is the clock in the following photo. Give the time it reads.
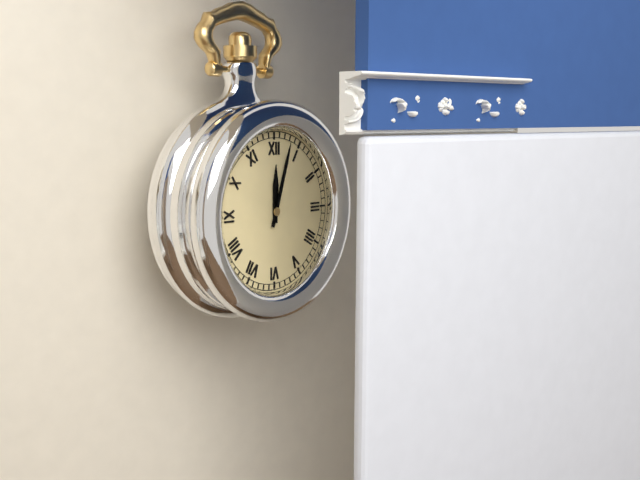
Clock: 12,03
